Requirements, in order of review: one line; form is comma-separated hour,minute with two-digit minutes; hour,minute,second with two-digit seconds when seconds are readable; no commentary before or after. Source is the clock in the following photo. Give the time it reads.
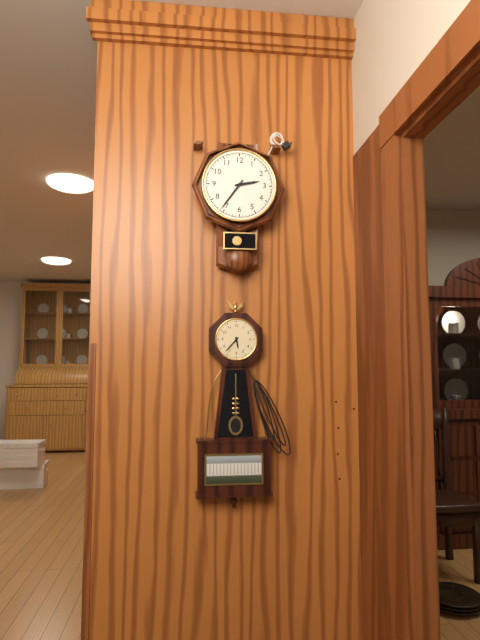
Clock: 2,36
